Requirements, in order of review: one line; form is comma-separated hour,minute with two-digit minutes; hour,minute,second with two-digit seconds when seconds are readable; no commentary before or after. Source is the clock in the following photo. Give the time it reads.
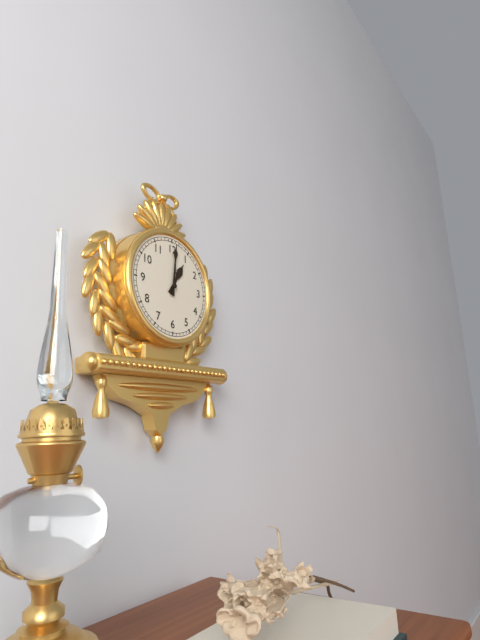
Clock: 1,01
